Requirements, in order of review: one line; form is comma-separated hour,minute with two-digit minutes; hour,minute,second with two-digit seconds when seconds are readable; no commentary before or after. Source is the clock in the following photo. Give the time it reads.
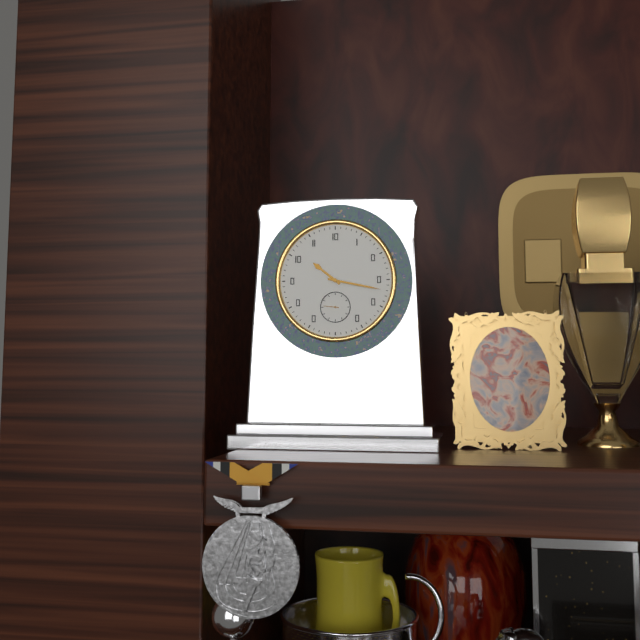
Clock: 10,17
